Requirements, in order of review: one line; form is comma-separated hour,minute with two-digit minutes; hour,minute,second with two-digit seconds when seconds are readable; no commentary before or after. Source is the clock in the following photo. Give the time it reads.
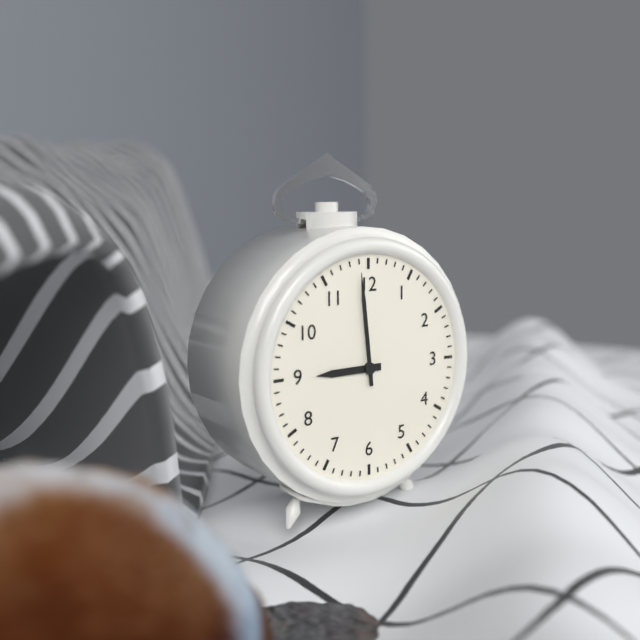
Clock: 8,59
